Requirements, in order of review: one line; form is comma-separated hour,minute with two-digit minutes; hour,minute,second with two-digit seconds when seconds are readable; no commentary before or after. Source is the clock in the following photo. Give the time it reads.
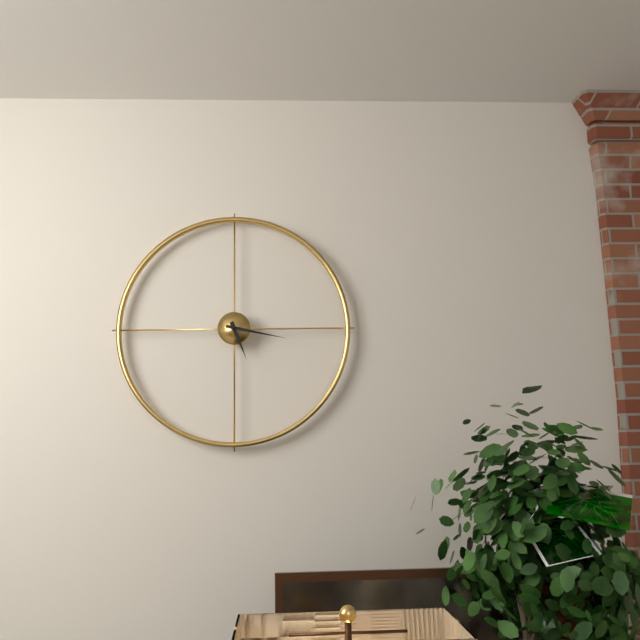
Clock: 5,17
